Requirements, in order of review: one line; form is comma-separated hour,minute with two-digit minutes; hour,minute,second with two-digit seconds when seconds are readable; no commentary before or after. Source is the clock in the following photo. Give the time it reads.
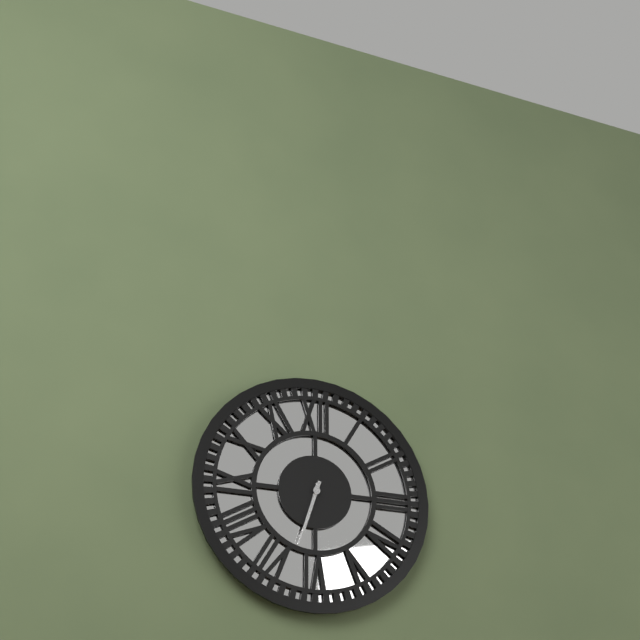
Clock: 6,33
